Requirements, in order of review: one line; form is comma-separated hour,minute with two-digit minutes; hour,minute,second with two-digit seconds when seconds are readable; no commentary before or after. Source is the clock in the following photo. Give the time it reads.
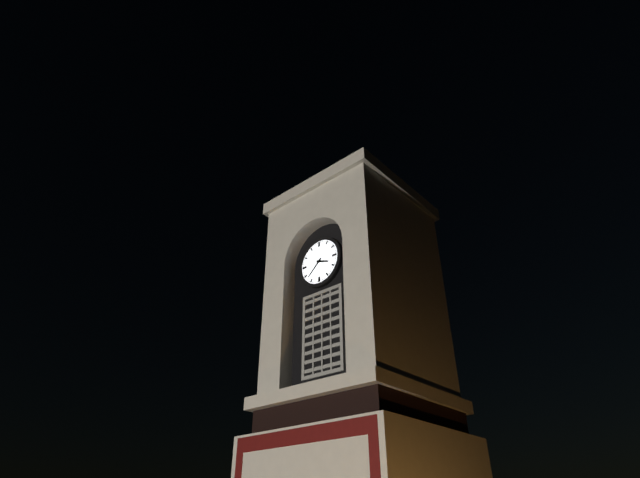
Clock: 3,38
